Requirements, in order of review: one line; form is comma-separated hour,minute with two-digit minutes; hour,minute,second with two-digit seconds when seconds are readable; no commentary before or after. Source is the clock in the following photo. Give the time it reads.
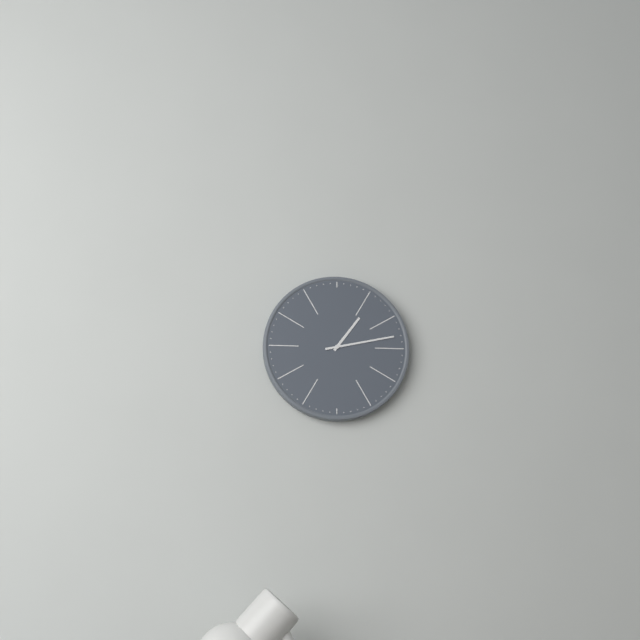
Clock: 1,13
